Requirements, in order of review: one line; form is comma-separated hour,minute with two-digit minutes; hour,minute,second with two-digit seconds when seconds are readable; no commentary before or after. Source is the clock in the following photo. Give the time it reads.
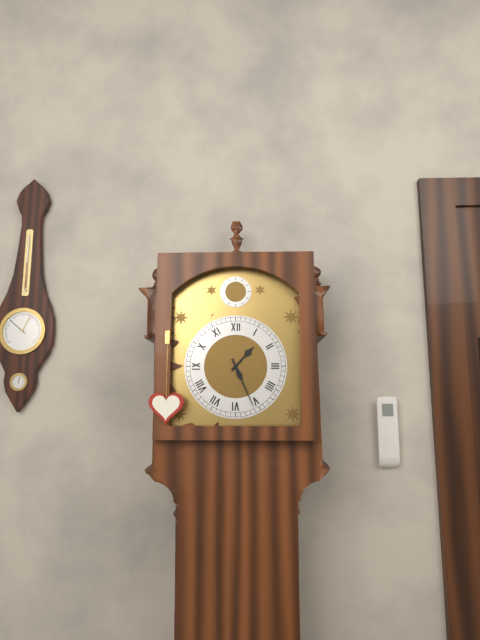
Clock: 1,26
